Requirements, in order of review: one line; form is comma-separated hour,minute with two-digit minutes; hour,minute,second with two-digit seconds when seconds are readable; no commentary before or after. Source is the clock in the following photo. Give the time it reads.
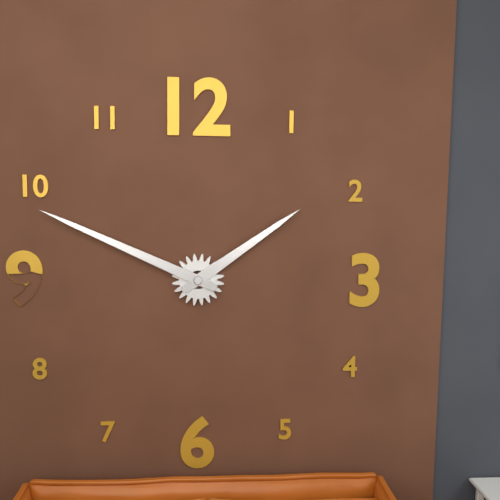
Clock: 1,49
